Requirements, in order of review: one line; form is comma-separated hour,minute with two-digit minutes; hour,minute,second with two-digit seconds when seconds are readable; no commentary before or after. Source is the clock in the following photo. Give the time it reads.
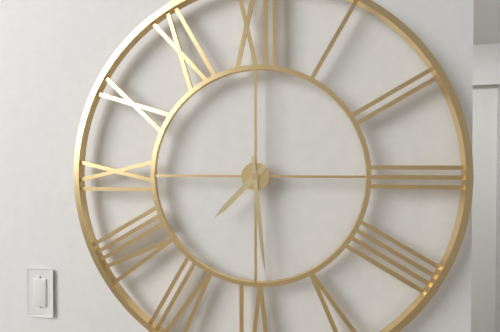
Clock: 7,29
